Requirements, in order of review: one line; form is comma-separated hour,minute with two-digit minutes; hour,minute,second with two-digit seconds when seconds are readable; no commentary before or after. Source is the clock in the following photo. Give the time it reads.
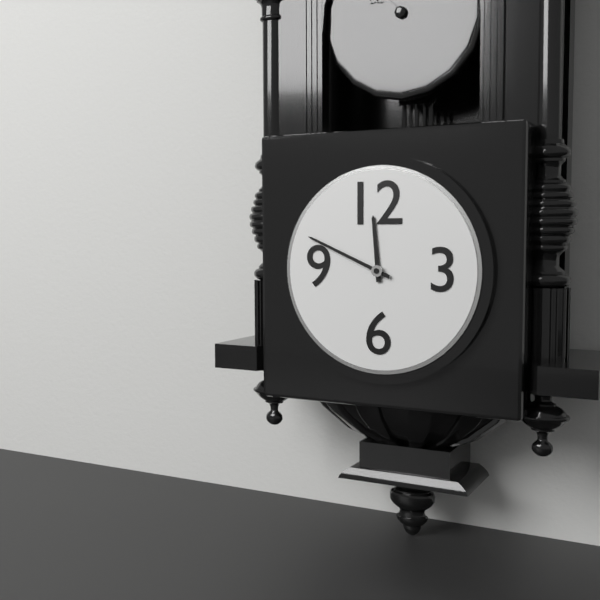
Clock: 11,49
